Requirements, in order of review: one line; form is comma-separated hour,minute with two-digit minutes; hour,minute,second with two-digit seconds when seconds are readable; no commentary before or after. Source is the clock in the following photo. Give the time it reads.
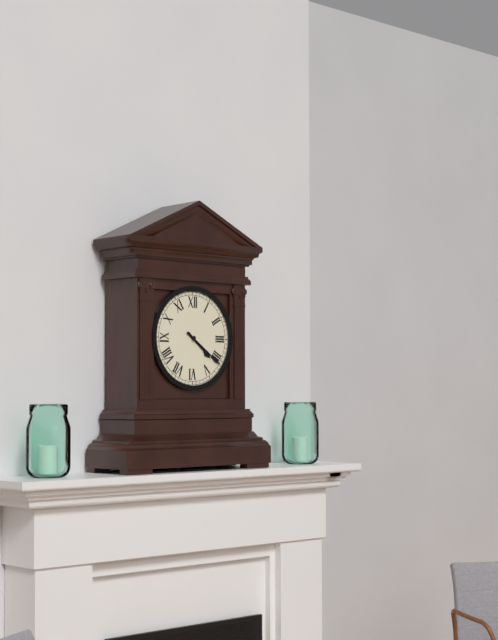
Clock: 4,21
